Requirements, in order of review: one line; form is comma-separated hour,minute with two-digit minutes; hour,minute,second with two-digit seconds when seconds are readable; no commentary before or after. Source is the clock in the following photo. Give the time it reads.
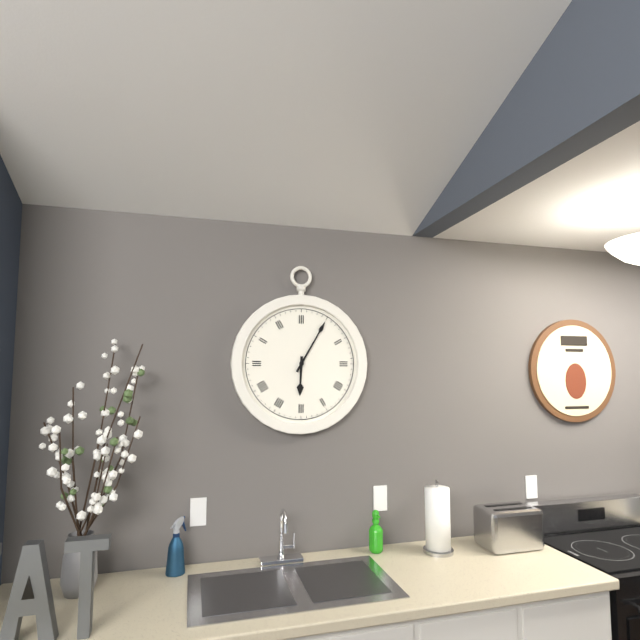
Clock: 6,05
